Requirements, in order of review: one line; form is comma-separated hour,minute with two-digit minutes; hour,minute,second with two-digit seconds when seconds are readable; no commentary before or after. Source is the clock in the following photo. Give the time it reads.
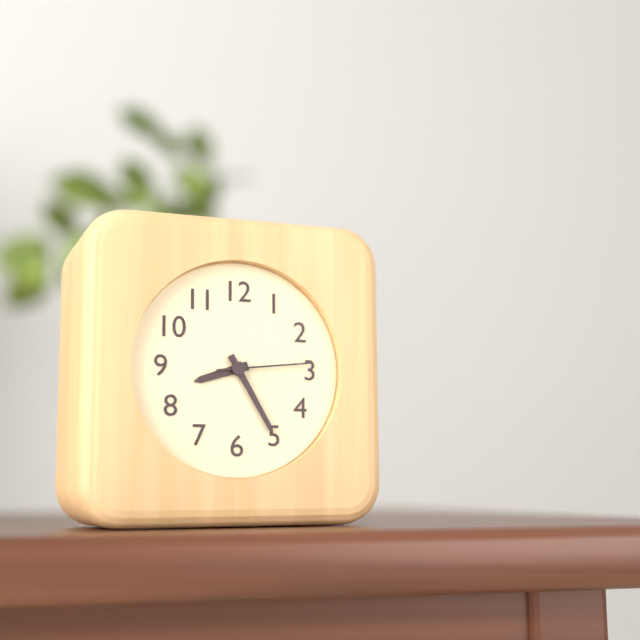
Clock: 8,25,14
